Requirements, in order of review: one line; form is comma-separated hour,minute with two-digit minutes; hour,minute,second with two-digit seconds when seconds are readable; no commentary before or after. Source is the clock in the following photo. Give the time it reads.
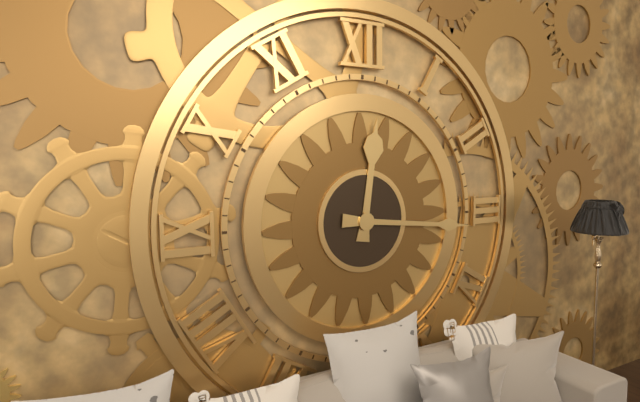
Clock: 12,16
